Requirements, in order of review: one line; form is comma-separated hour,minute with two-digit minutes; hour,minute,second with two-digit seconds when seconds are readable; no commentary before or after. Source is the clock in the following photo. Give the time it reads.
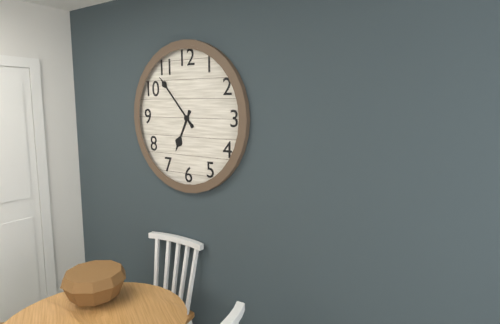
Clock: 6,53
